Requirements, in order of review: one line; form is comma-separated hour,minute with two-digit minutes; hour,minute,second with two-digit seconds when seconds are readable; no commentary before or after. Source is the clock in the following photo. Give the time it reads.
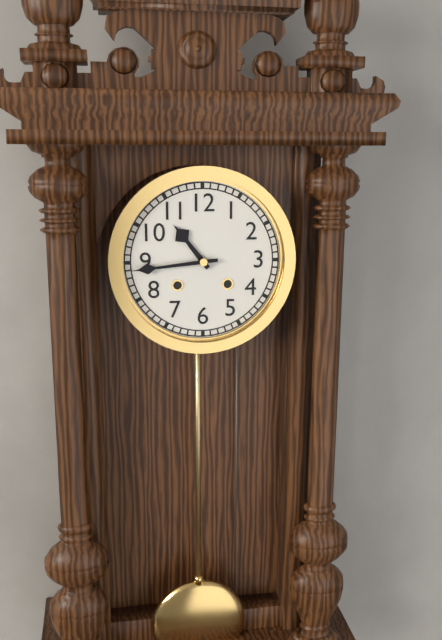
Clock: 10,44
